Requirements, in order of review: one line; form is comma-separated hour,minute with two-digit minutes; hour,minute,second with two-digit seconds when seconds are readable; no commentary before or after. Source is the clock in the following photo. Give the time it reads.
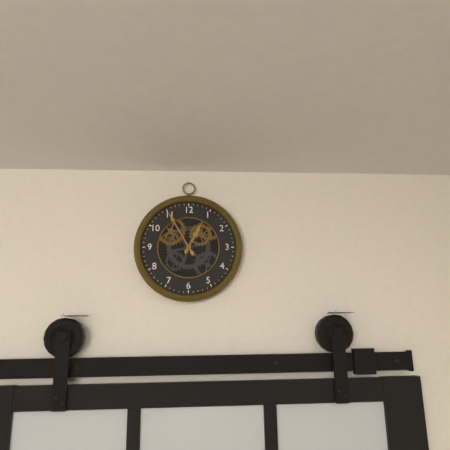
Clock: 12,55
